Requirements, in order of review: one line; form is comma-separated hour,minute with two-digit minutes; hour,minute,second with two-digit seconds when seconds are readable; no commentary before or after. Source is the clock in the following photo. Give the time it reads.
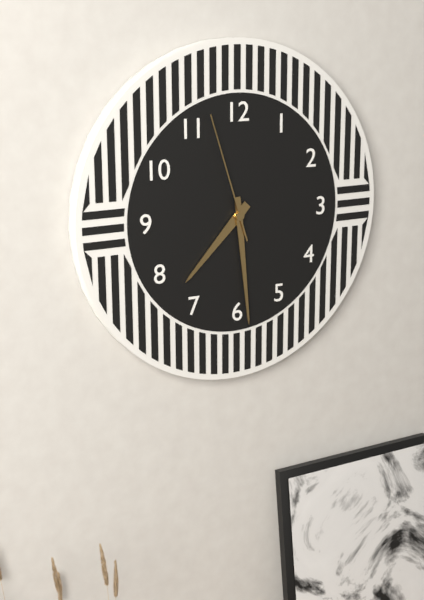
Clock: 7,29,57
